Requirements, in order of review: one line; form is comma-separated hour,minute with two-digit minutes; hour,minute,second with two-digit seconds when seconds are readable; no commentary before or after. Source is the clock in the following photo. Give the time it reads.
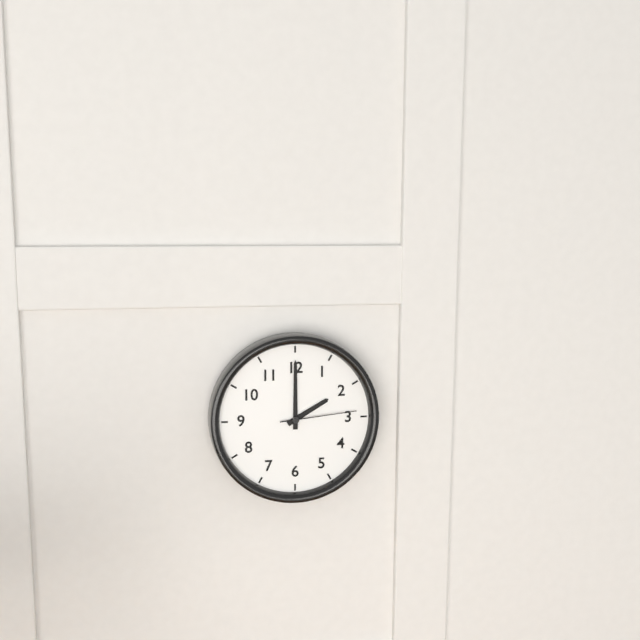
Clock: 2,00,14
